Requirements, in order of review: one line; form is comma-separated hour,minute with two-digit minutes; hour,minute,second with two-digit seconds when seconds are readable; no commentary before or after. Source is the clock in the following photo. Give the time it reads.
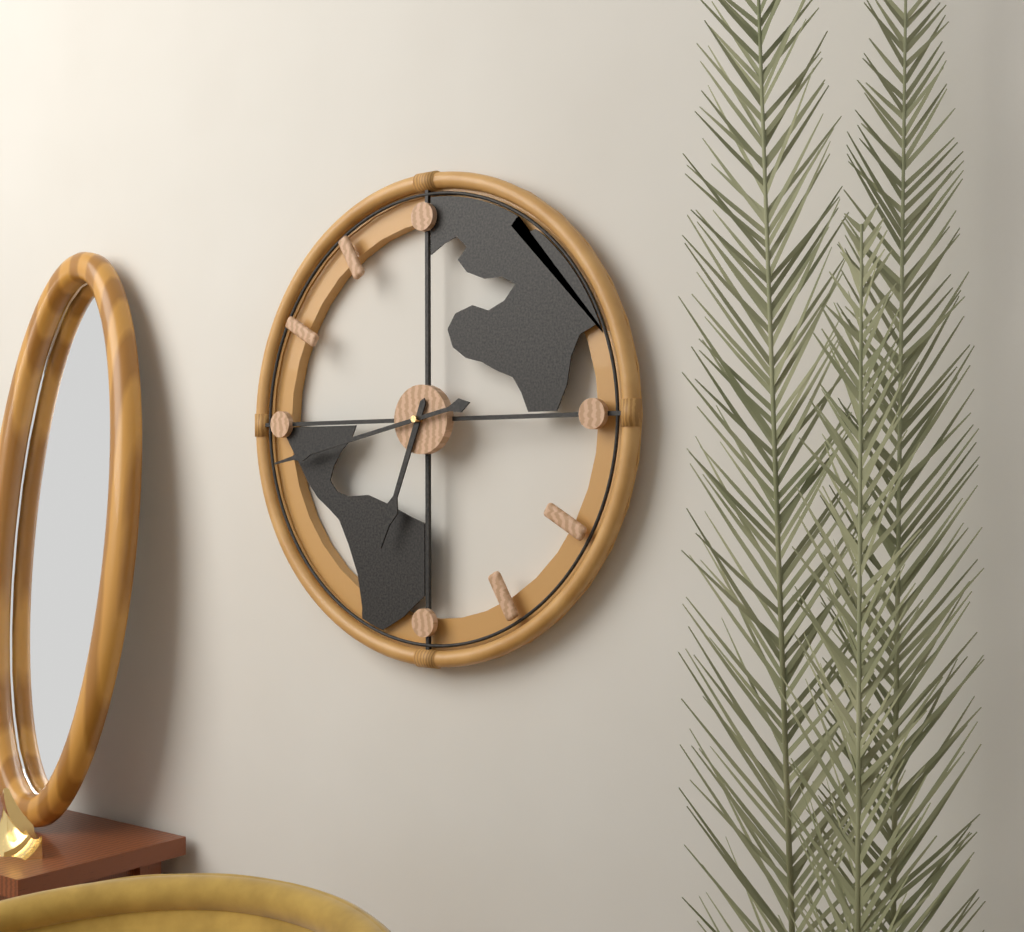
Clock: 6,43
